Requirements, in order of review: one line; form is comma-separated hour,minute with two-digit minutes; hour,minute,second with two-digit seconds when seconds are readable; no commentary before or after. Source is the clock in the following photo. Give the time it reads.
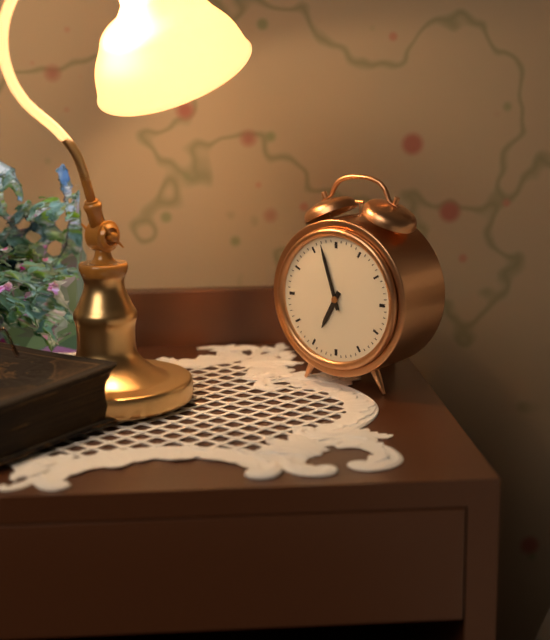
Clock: 6,57
